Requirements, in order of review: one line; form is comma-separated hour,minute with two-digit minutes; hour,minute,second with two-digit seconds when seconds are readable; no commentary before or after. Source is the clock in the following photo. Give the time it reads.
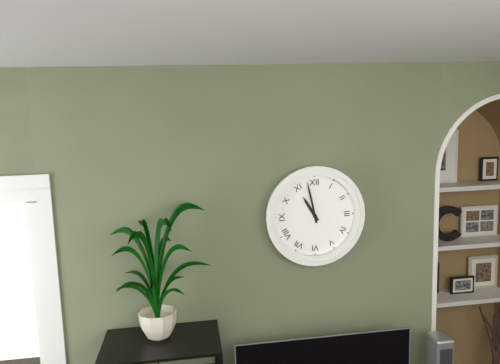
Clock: 10,58
